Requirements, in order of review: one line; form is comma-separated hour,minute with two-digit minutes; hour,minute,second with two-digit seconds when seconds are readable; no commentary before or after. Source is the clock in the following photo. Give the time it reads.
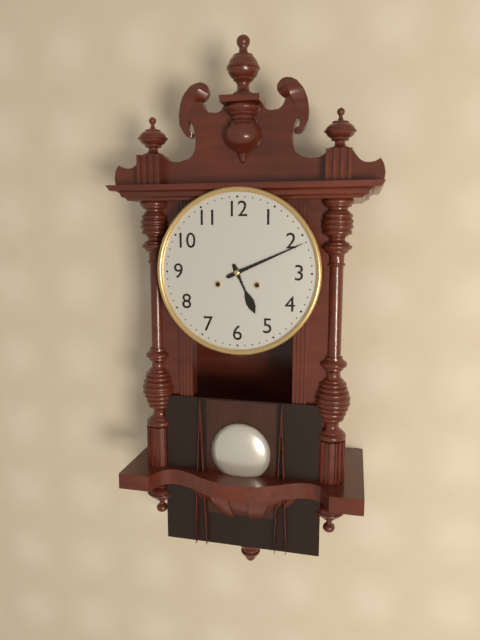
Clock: 5,11
